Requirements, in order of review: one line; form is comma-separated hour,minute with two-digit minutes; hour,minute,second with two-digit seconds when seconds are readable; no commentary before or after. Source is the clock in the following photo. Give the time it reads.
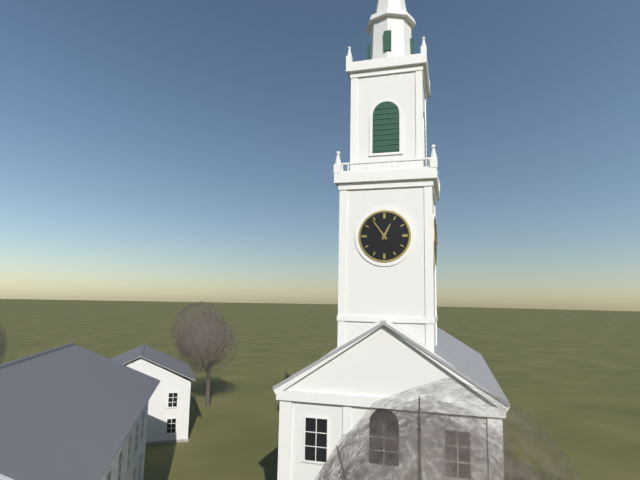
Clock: 12,54
